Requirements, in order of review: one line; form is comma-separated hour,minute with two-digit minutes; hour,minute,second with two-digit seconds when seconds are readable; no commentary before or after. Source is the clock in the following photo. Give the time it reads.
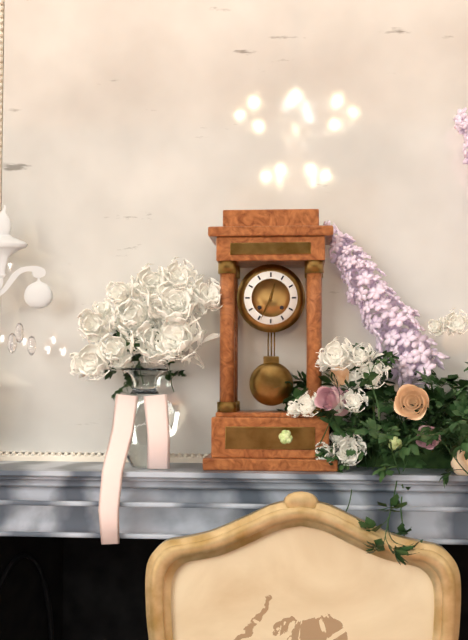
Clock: 12,34
